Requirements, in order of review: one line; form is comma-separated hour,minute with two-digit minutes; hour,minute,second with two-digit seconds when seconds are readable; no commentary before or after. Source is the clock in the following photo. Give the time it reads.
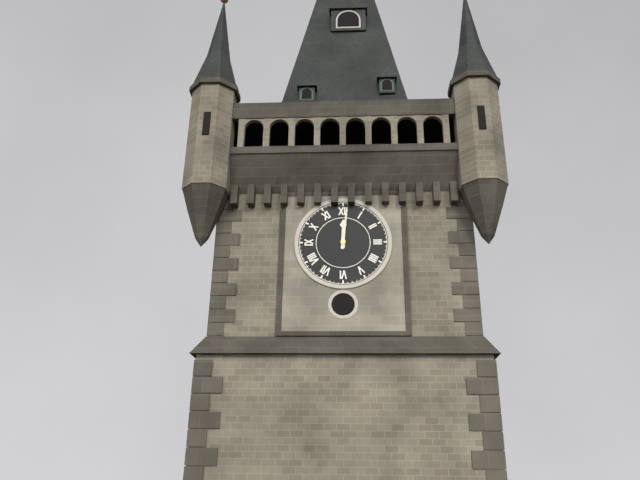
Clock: 12,01
